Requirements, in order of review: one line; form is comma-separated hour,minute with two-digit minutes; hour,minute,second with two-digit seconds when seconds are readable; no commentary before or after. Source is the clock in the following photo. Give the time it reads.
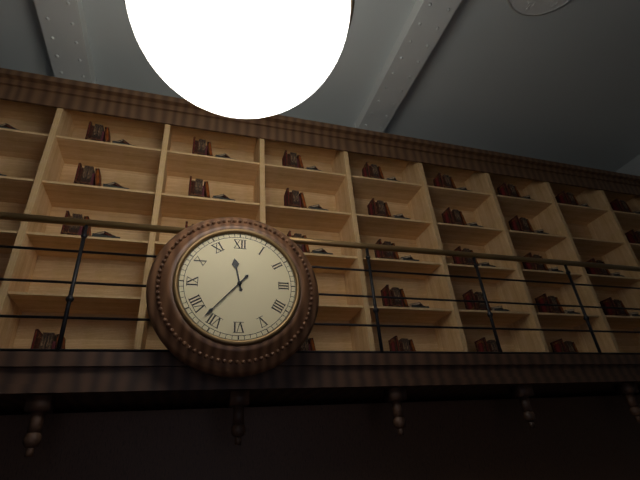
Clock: 11,37
